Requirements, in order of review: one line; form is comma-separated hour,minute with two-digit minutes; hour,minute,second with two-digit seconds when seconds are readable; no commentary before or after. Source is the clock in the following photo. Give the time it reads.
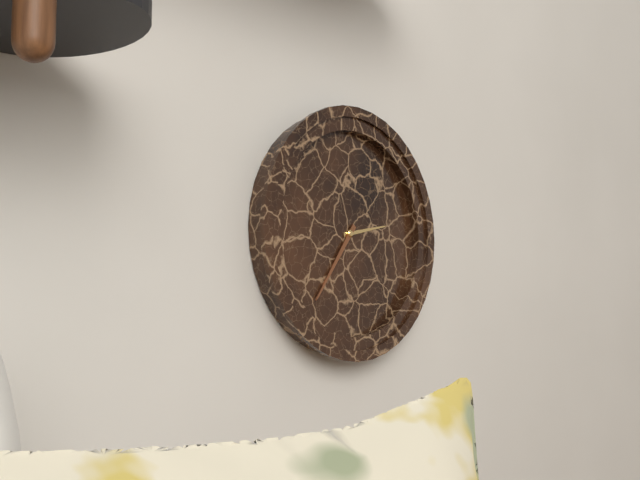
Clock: 2,36
